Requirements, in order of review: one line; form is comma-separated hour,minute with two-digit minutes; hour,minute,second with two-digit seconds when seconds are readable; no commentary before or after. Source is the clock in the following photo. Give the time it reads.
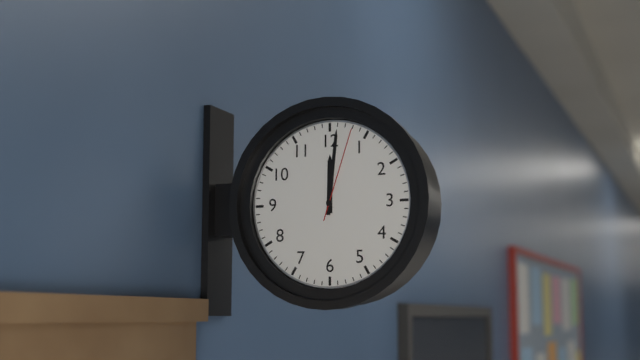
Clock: 12,01,03
